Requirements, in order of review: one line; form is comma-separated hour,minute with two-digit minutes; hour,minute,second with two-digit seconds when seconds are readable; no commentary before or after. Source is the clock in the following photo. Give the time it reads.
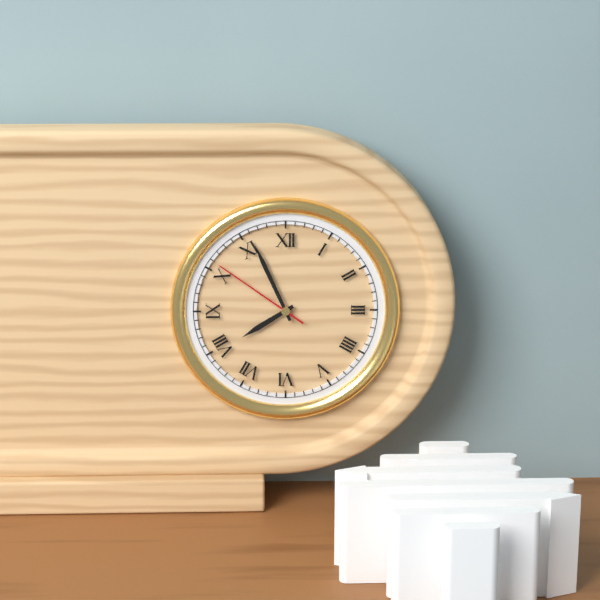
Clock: 7,56,51
